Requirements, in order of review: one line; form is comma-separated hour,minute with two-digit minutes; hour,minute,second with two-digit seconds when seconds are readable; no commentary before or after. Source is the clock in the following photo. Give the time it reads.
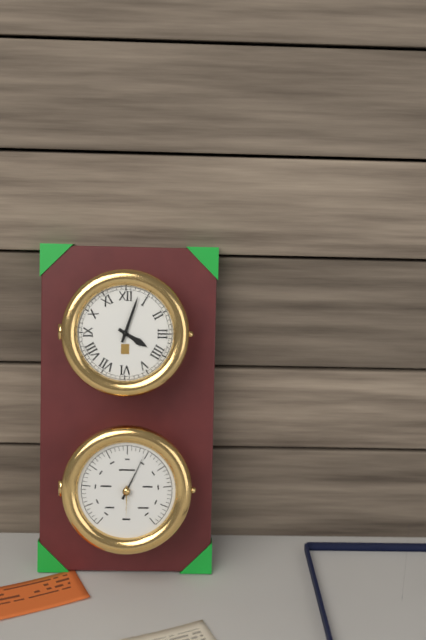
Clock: 4,03
